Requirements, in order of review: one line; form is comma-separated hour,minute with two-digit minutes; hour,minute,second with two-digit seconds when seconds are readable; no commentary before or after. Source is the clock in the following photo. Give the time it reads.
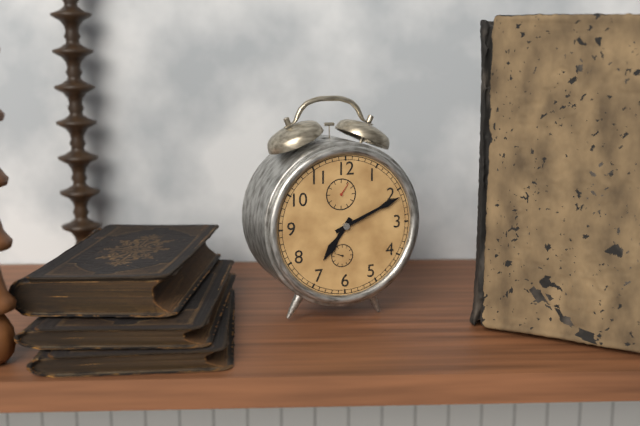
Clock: 7,11
